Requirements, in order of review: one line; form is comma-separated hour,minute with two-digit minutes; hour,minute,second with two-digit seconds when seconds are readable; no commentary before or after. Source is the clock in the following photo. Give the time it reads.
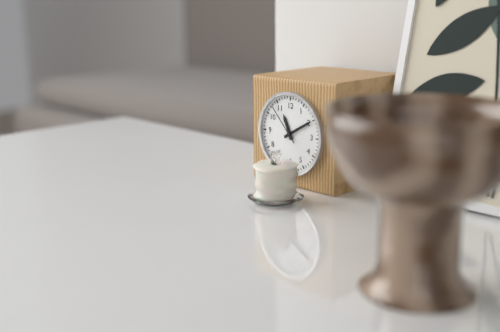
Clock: 11,10
